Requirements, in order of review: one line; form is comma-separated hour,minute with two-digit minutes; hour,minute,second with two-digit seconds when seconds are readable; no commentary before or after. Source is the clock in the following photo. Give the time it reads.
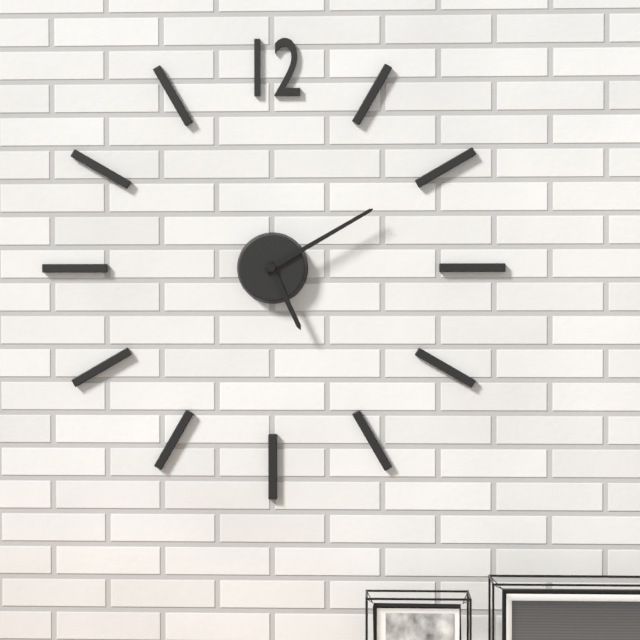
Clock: 5,10
